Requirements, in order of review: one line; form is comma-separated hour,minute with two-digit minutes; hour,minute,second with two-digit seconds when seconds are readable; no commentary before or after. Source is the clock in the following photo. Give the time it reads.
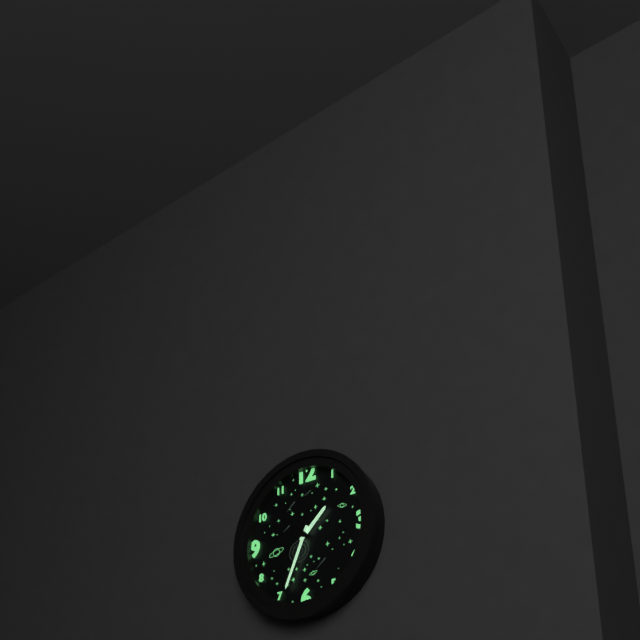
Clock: 1,34
